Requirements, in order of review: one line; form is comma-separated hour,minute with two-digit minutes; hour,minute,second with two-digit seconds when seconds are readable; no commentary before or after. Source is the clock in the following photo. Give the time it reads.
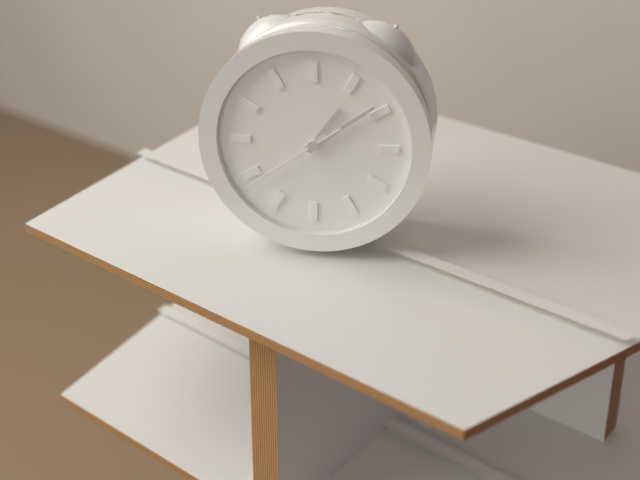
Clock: 1,09,39
